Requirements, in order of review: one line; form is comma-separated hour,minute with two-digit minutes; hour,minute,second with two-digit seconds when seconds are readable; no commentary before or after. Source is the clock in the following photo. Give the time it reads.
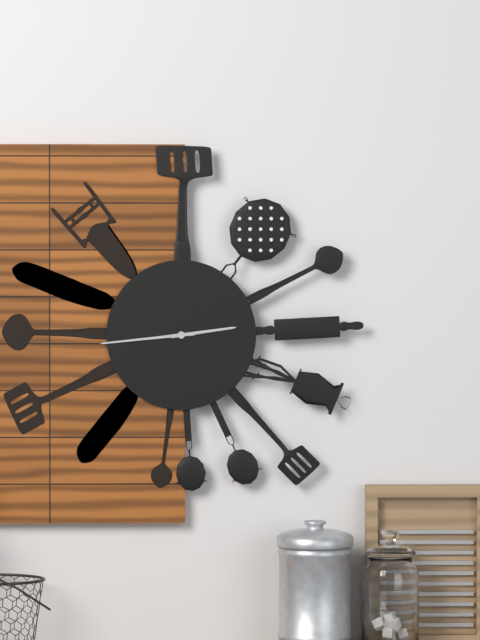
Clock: 2,44
